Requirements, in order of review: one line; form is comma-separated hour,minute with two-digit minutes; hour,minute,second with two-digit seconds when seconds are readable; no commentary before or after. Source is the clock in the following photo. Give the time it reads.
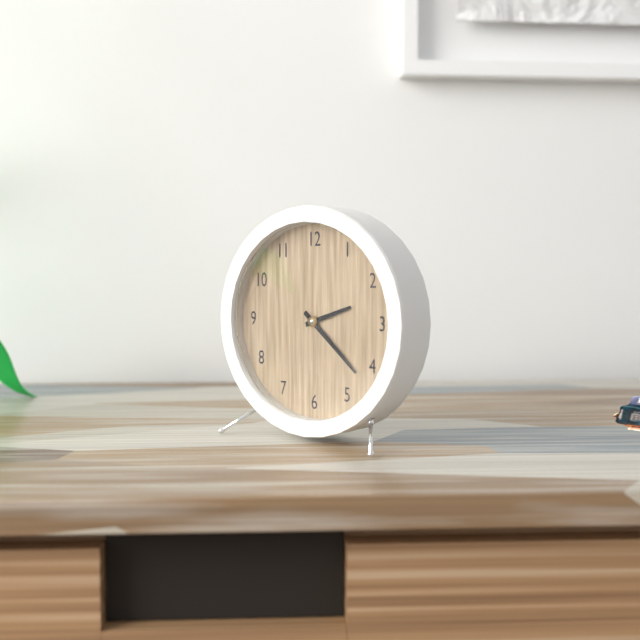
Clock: 2,22
